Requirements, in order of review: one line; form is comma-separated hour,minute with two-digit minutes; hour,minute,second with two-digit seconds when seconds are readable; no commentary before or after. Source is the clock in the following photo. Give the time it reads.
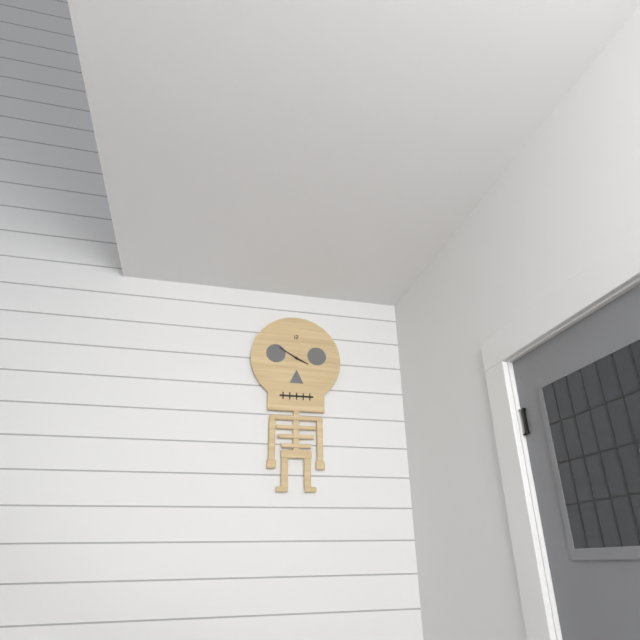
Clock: 3,50
